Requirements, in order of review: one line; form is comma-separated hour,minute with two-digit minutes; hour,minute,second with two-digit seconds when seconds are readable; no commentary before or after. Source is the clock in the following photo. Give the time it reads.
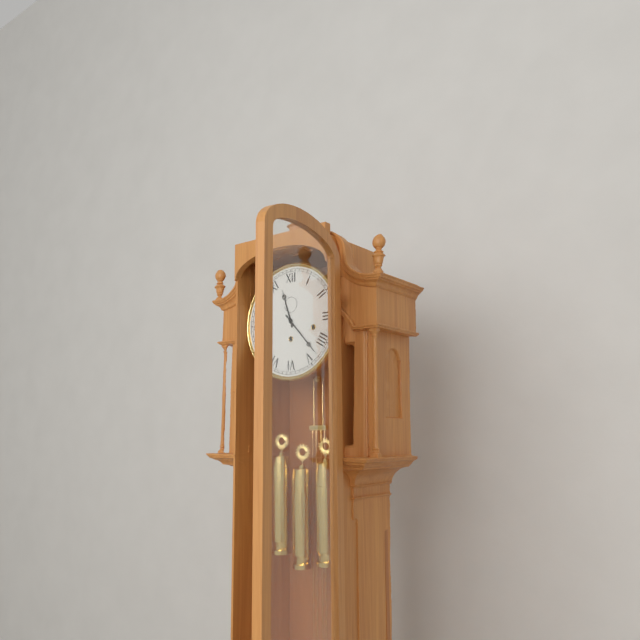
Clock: 11,23
